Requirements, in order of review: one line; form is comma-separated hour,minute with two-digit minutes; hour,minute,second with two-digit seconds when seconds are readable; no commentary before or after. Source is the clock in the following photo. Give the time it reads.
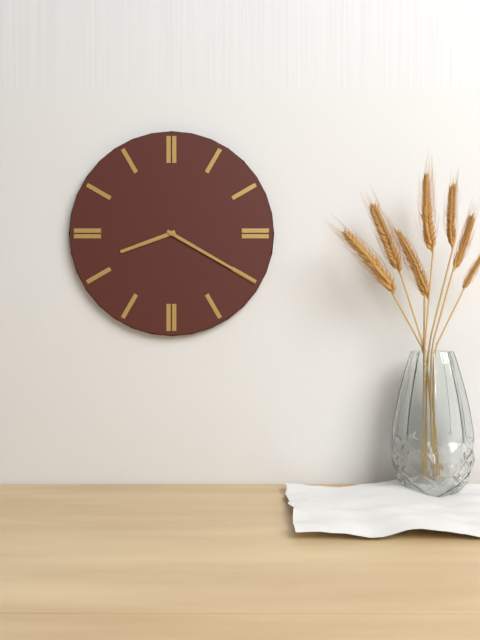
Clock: 8,20
